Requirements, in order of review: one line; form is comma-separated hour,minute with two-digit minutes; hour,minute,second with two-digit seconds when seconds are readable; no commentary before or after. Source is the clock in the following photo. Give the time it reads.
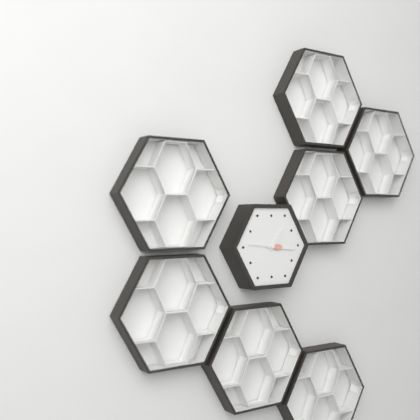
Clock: 1,16
